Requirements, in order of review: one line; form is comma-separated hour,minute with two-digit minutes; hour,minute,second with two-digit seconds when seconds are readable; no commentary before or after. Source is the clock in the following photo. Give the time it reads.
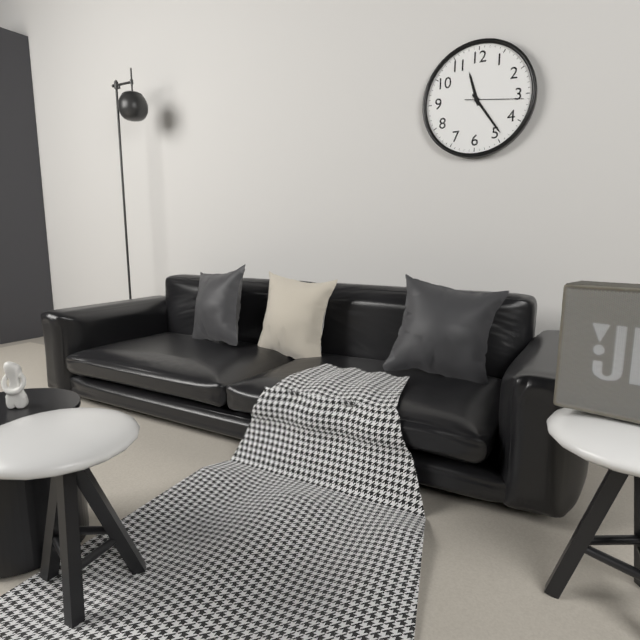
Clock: 11,24,16
